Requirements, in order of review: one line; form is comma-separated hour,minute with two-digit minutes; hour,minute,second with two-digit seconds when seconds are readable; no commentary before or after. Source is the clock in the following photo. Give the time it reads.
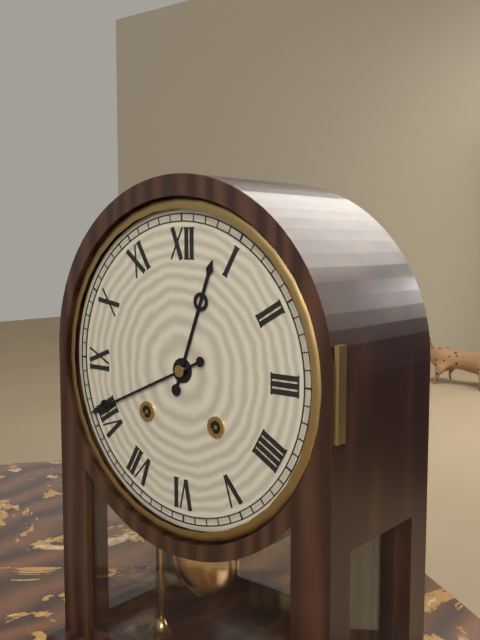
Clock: 12,41
